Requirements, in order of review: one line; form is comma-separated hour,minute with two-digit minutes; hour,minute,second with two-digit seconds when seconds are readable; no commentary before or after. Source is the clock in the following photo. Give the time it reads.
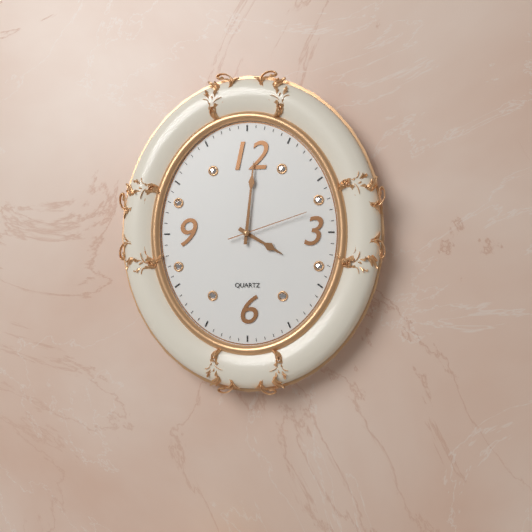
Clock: 4,01,12
